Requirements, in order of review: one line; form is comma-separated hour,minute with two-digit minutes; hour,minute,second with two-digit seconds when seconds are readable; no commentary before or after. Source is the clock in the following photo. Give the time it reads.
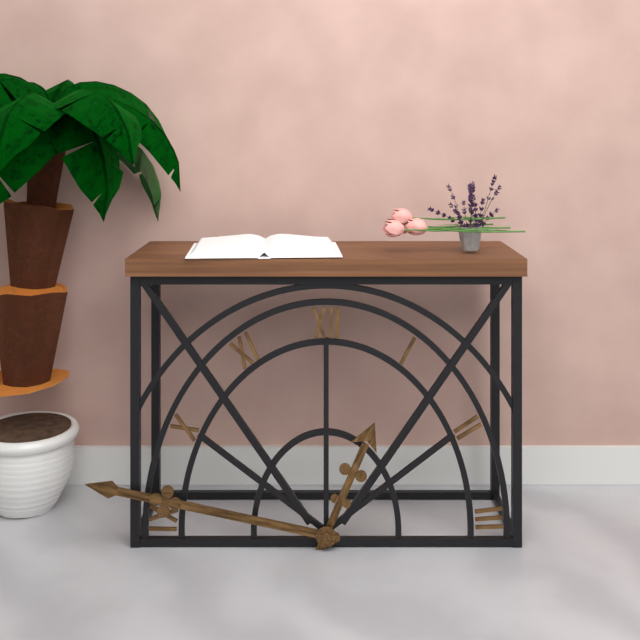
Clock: 12,47
